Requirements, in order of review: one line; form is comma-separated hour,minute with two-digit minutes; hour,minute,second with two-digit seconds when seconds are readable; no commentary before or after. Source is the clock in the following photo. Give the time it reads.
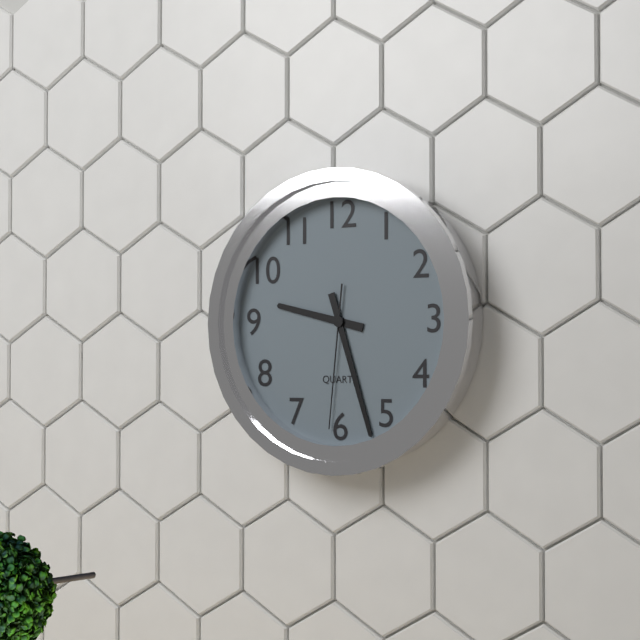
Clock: 9,27,31
